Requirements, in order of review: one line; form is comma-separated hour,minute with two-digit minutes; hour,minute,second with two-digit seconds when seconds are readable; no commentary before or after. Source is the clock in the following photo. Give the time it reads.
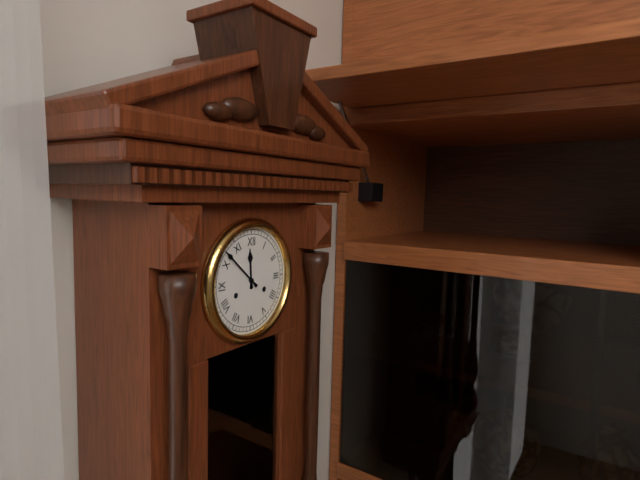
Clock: 11,52
